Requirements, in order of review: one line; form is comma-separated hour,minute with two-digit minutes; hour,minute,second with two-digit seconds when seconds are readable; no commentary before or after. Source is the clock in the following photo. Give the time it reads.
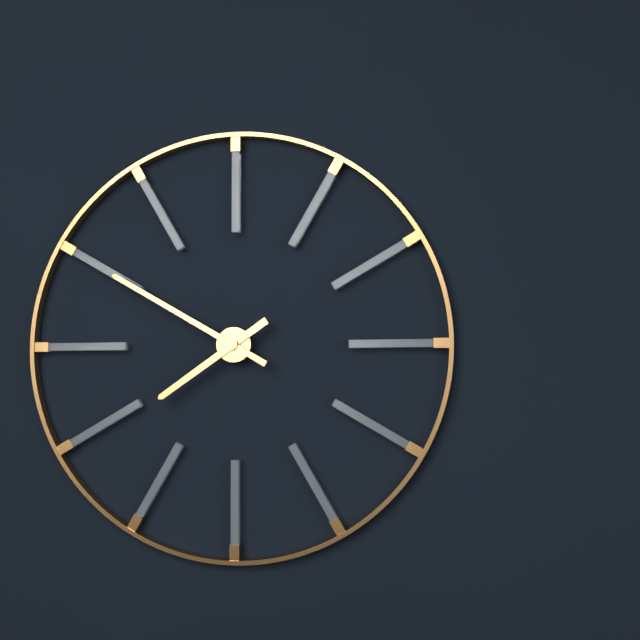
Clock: 7,50
